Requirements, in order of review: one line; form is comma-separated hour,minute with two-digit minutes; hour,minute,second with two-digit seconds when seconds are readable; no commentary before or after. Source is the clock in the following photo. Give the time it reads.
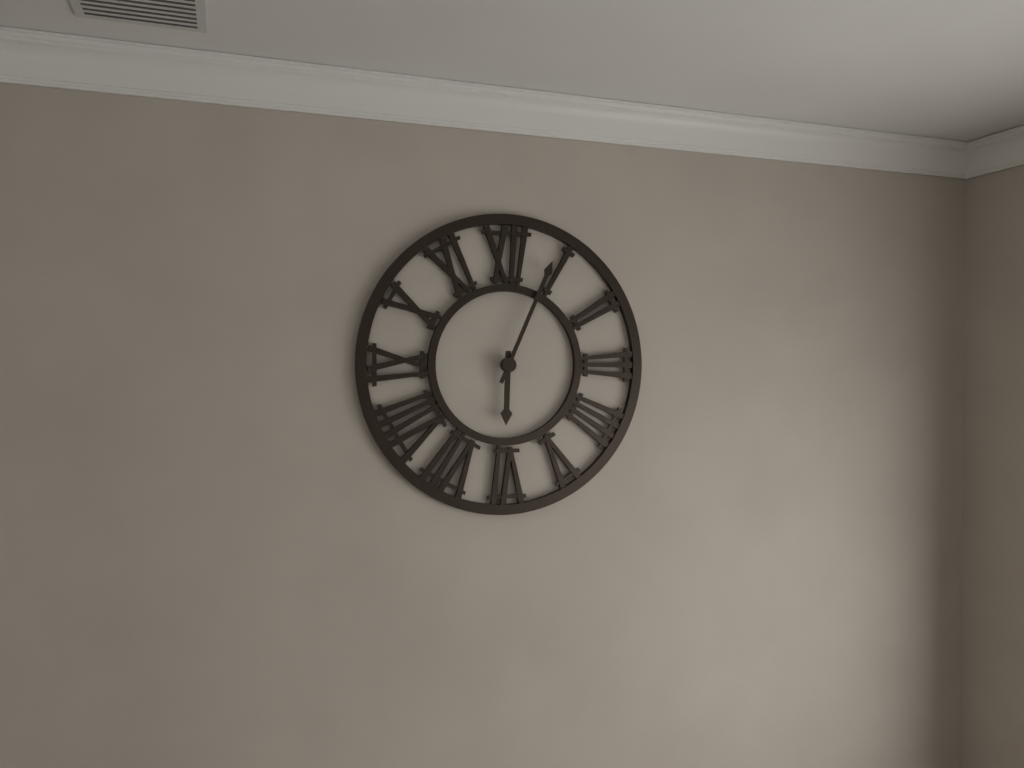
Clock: 6,04
